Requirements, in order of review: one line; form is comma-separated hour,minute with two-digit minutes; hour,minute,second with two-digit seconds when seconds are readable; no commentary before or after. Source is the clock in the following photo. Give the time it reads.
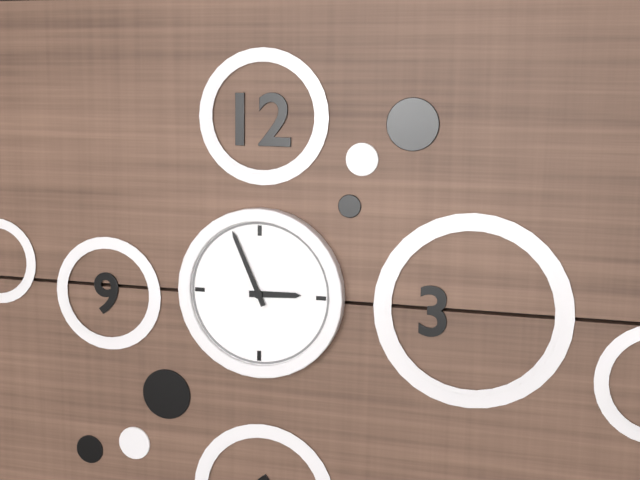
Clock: 2,56
